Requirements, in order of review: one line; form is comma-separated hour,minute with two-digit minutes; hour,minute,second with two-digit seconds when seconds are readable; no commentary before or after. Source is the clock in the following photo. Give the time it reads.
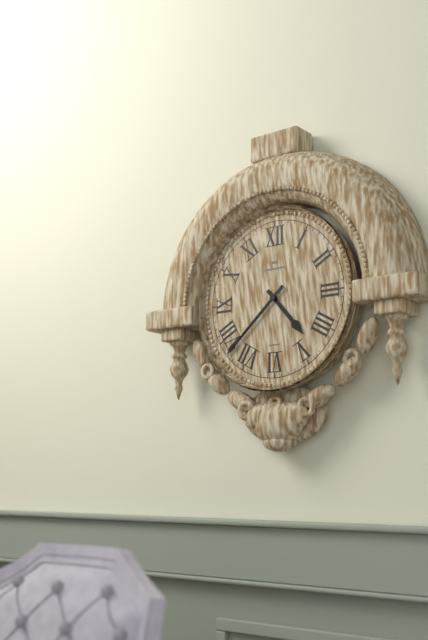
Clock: 4,38
